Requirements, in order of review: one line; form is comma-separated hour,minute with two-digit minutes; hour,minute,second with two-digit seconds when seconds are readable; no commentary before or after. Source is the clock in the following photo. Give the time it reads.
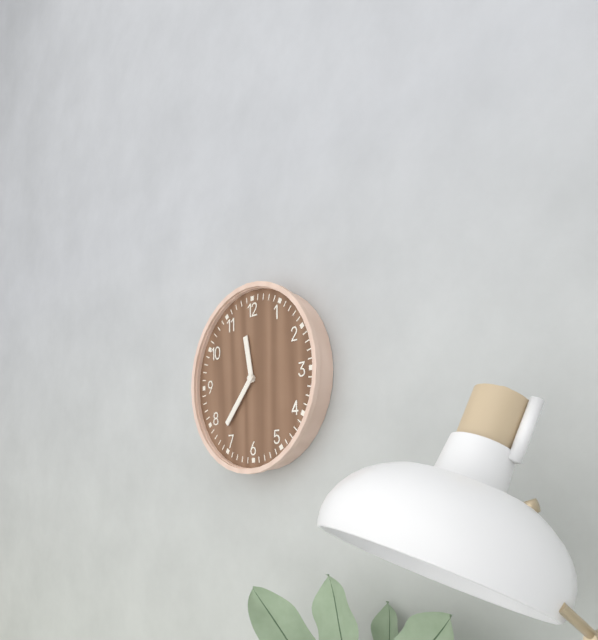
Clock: 11,37
